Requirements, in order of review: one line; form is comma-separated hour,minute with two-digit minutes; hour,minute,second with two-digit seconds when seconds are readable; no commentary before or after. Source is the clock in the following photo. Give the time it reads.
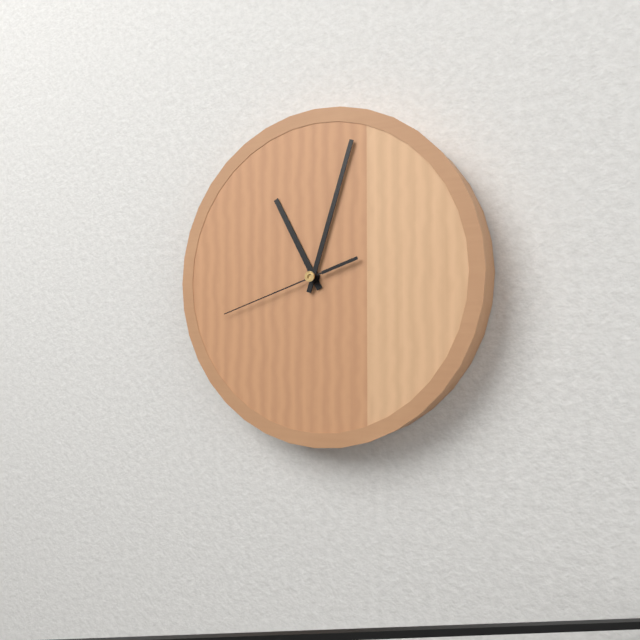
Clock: 11,03,42
